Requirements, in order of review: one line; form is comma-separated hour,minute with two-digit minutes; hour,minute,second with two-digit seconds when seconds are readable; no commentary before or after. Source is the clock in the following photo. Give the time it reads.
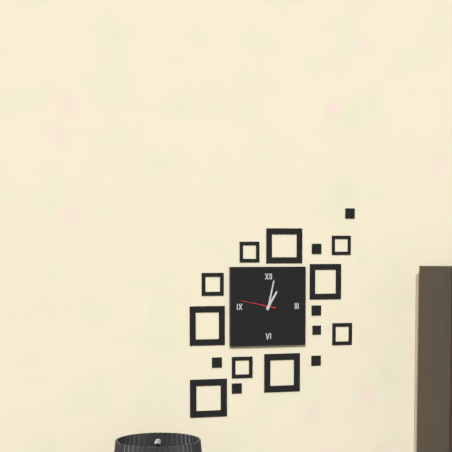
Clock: 1,02
